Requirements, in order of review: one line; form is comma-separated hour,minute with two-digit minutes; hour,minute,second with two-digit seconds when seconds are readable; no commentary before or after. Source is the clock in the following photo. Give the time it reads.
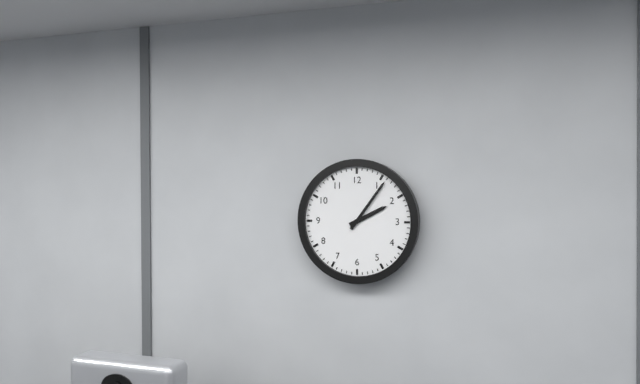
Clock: 2,06
